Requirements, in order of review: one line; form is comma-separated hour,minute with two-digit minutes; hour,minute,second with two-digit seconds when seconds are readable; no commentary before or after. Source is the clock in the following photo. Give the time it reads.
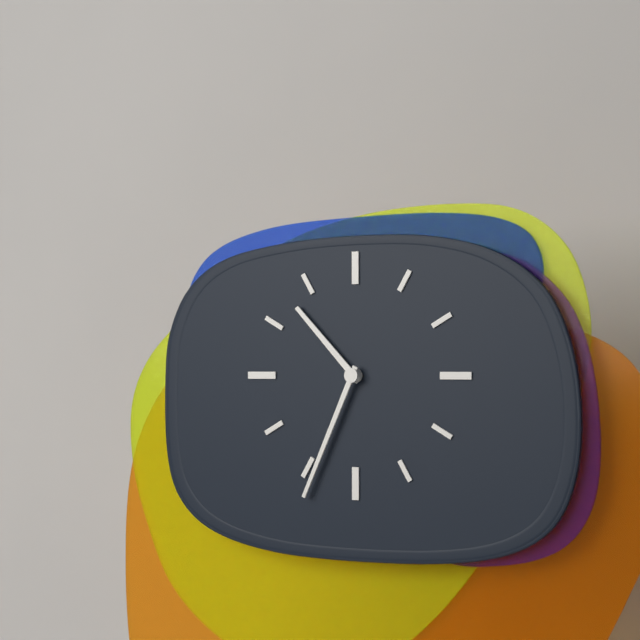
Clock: 10,34
